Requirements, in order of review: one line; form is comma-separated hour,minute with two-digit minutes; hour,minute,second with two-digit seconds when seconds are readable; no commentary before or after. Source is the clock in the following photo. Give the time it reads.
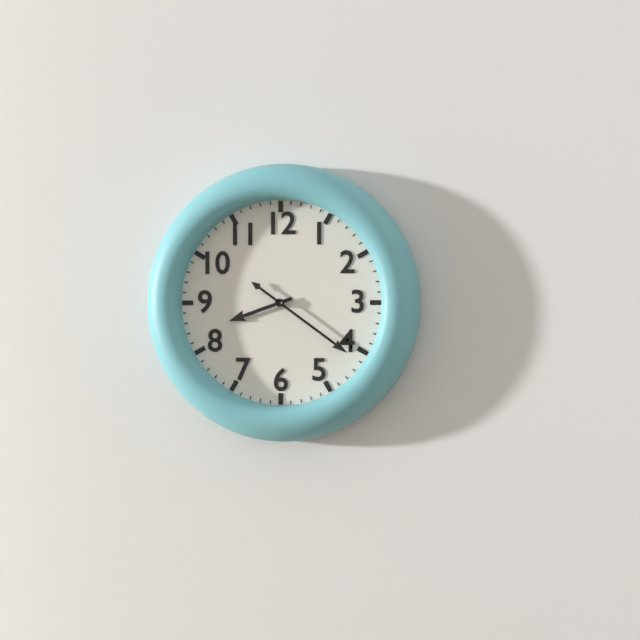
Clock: 8,21
